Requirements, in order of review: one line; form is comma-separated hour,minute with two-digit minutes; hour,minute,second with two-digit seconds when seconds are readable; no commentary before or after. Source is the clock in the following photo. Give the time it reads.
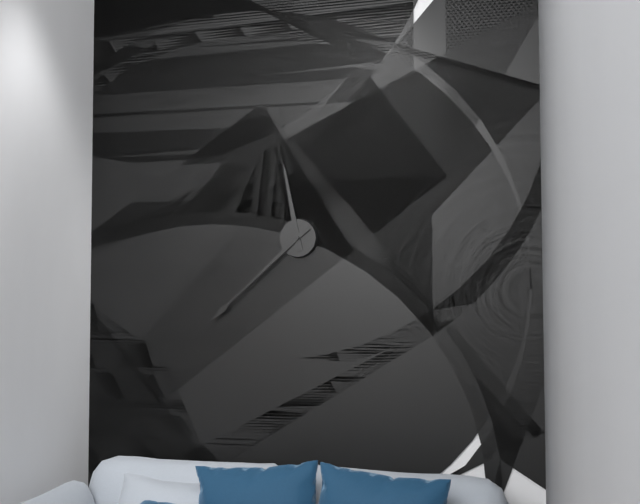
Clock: 11,38
